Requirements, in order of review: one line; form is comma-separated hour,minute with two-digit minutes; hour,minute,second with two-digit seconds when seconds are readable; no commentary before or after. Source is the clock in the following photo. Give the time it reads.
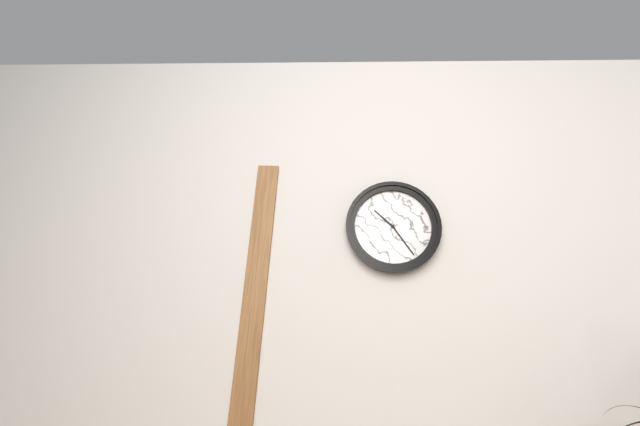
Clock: 10,24
